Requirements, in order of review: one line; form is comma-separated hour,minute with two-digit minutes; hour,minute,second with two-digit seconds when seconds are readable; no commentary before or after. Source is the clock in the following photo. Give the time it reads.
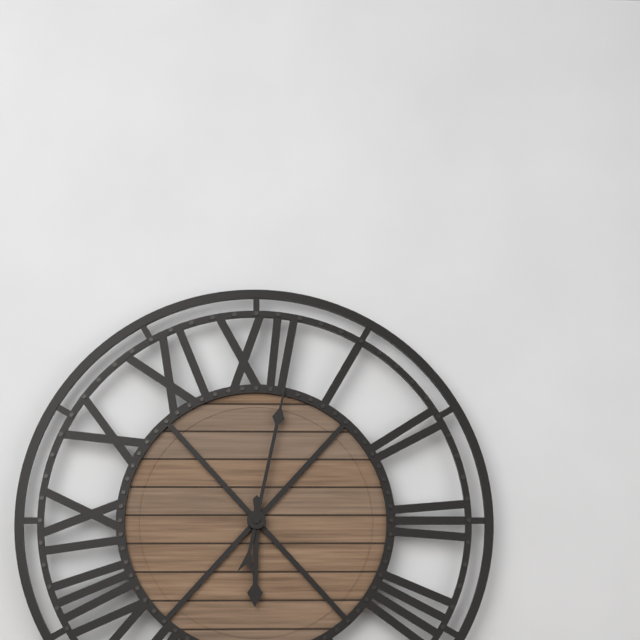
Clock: 6,02
